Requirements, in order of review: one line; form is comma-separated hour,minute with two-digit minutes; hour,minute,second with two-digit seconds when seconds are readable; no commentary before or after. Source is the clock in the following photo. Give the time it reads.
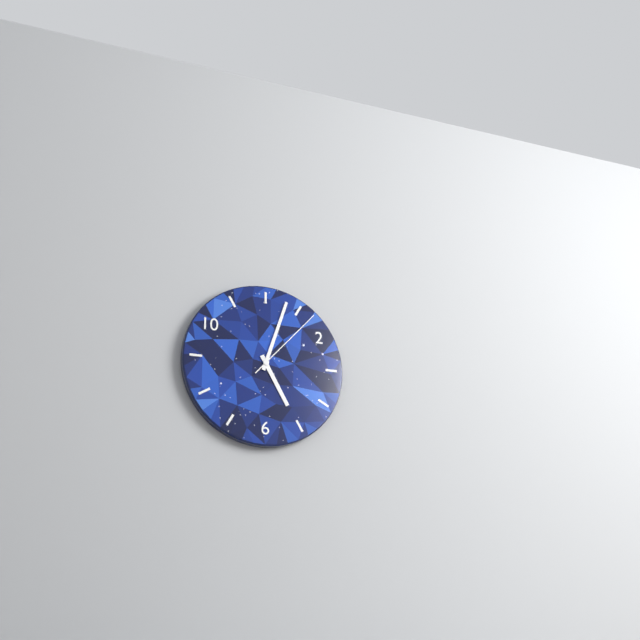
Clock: 5,03,07
